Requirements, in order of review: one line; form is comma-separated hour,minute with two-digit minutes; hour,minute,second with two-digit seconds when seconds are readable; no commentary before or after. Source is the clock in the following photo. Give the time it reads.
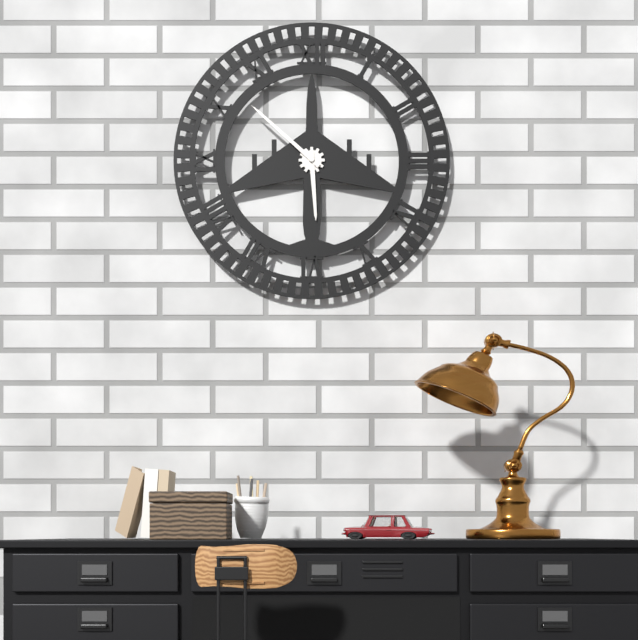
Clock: 5,52
